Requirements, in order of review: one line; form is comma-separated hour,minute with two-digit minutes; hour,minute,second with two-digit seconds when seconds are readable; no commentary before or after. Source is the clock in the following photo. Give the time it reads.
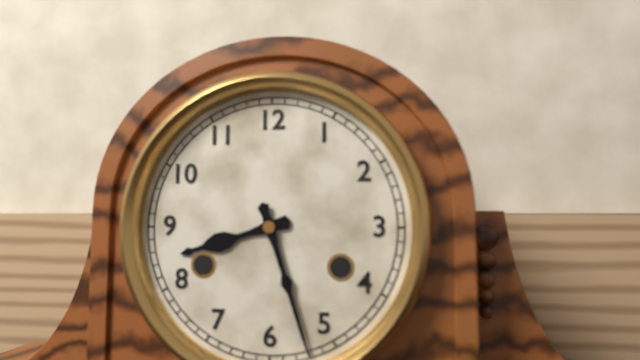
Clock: 8,27
